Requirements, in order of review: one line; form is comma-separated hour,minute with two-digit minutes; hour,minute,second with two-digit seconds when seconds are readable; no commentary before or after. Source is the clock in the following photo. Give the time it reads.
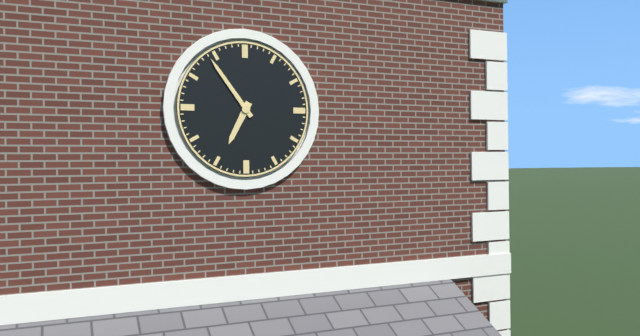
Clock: 6,54
